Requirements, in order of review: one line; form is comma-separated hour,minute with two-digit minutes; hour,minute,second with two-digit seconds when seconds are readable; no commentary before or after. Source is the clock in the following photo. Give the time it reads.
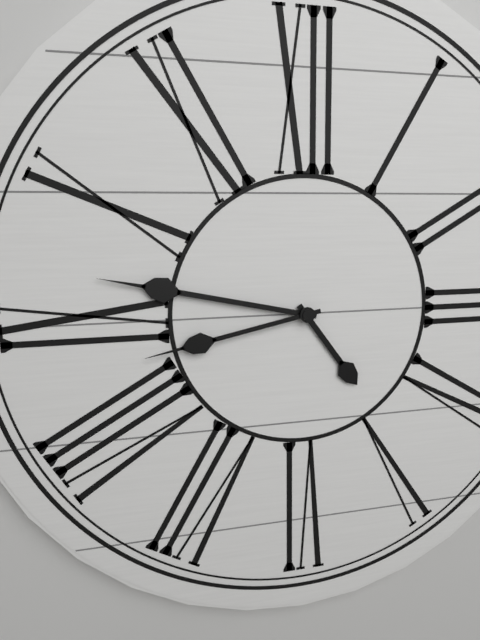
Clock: 4,47,43
